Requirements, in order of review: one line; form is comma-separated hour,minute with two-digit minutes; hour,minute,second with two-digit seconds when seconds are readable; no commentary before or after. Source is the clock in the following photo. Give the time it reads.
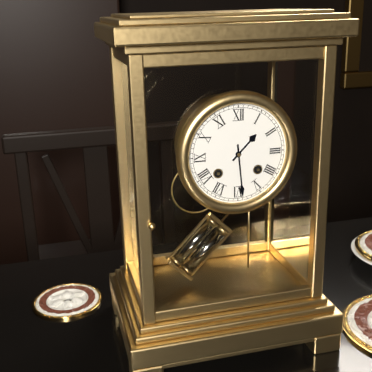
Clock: 1,29
